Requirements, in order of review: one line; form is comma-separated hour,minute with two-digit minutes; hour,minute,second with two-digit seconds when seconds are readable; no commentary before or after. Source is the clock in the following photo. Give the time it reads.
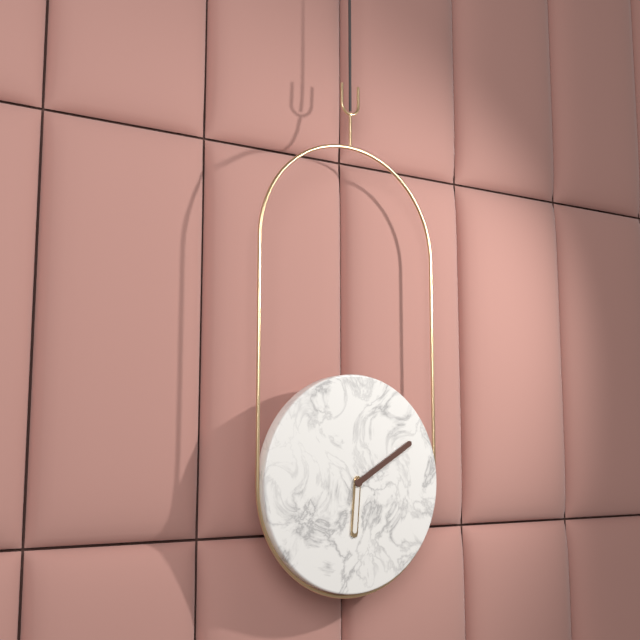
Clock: 6,10
